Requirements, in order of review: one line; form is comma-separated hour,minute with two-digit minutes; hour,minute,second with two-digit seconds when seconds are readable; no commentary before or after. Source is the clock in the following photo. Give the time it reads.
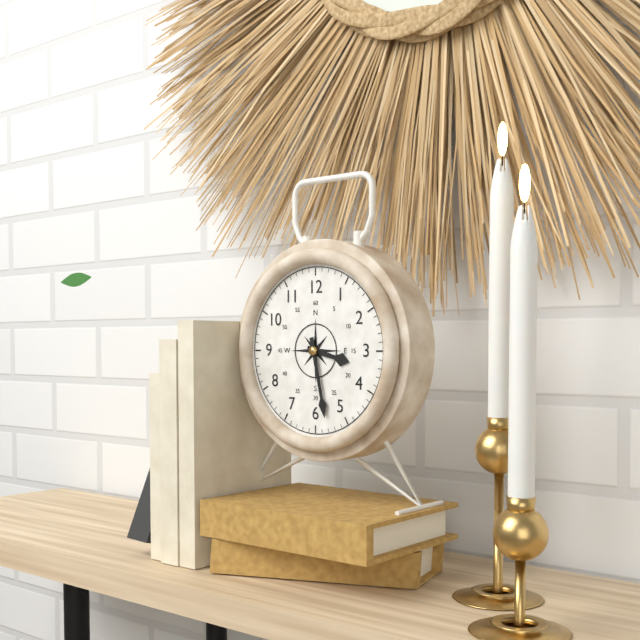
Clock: 3,28
